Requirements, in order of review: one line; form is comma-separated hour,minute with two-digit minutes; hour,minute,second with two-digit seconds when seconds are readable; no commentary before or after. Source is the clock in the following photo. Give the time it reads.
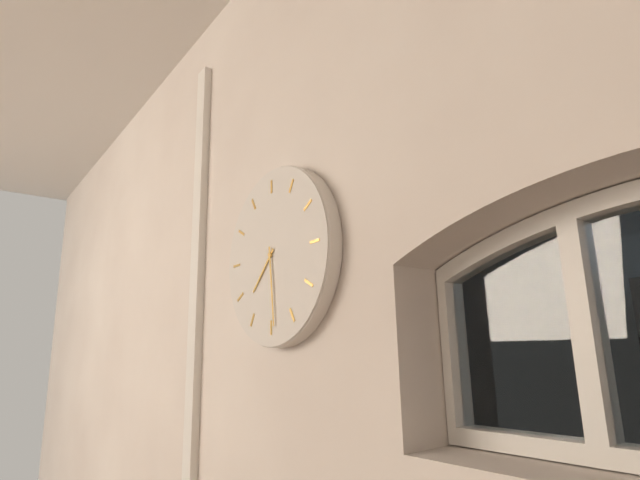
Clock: 7,29
